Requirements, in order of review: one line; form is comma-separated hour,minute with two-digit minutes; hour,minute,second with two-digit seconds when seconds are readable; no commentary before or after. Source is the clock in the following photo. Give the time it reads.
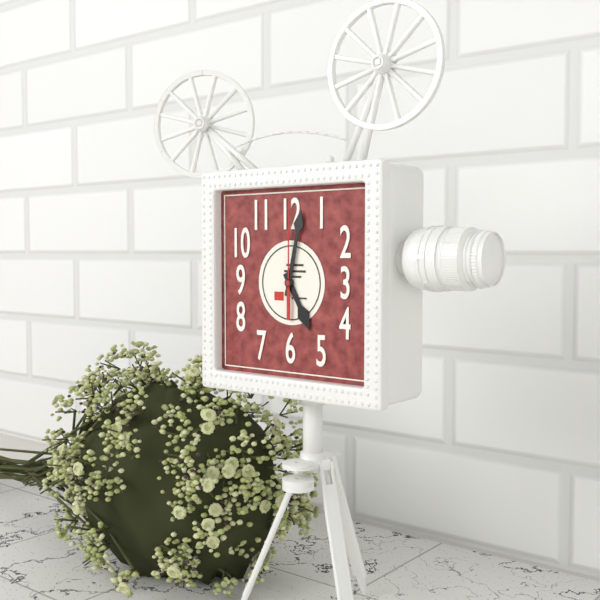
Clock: 5,02,00
